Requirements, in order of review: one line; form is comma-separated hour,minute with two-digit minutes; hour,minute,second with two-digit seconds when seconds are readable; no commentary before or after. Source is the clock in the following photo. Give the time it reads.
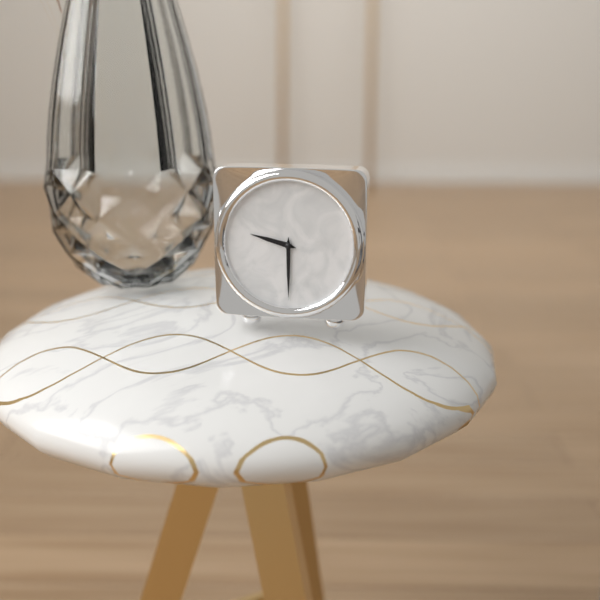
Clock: 9,30
